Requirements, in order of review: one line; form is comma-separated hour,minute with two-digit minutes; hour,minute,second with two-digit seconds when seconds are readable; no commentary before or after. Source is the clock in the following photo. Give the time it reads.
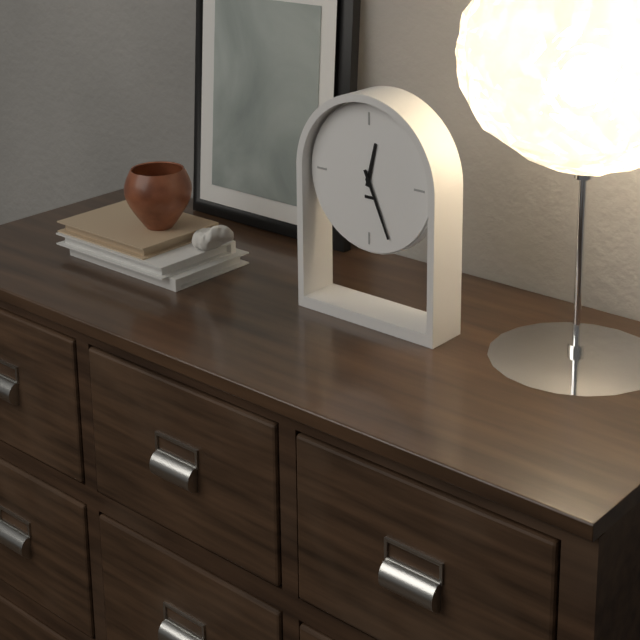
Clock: 12,26
